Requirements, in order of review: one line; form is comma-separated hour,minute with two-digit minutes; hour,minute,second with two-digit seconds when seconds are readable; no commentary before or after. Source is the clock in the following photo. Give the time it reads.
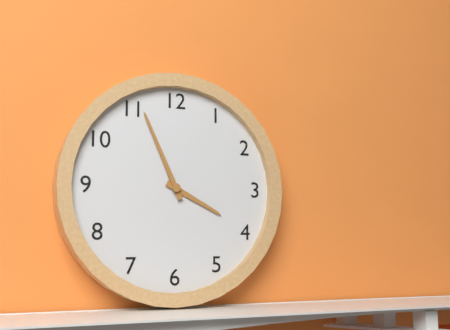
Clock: 3,56
